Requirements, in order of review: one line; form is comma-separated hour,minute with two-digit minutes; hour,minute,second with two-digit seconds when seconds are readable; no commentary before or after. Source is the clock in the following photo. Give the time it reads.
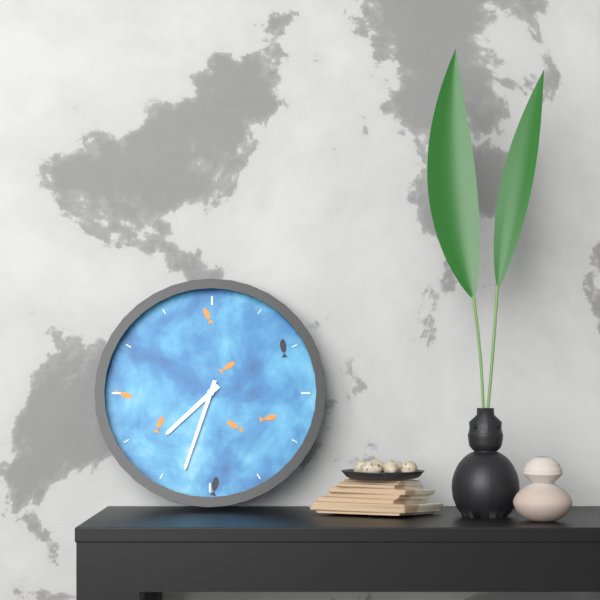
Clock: 7,33
